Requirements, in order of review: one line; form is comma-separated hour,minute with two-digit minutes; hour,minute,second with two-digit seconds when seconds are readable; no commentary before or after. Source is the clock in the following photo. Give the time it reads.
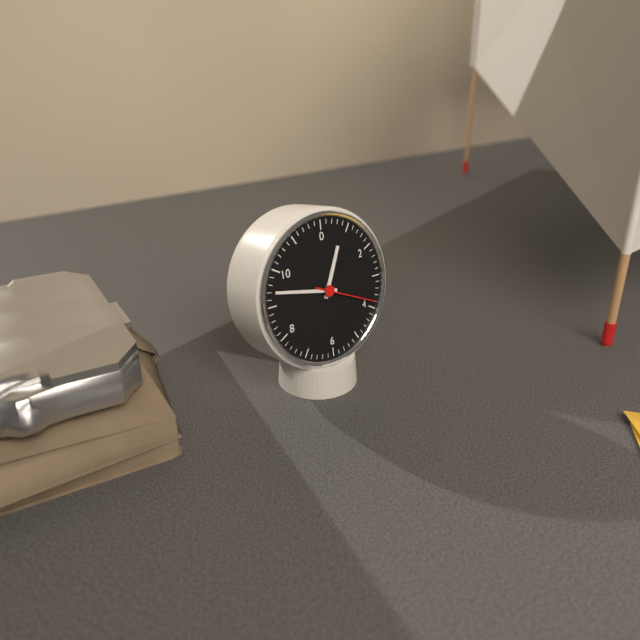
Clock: 12,47,19
